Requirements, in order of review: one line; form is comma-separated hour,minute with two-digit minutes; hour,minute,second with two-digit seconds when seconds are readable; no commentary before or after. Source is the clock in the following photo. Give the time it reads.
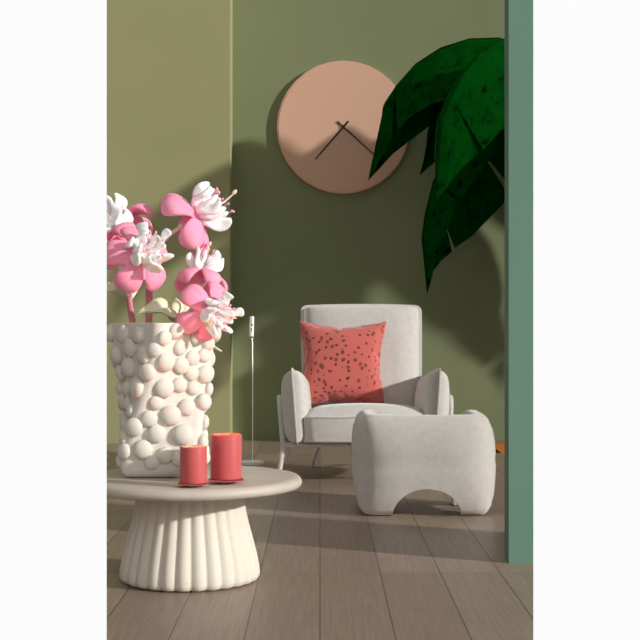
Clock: 7,22
